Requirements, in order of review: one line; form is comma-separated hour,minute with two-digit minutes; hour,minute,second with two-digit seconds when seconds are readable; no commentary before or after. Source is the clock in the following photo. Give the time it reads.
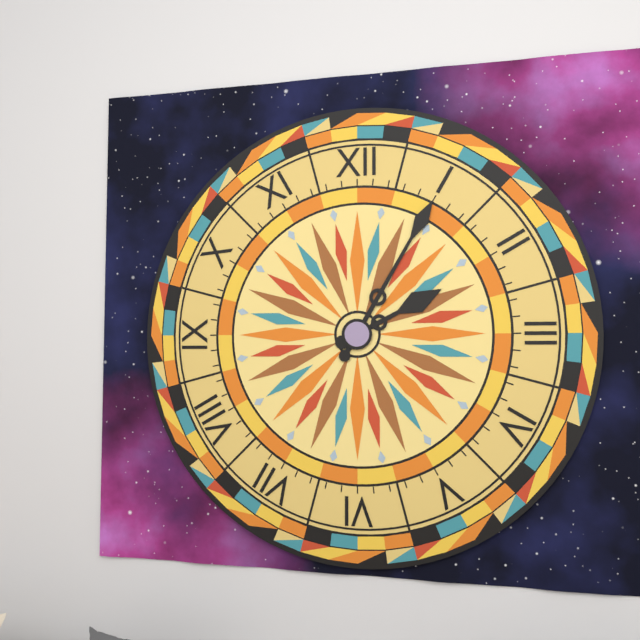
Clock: 2,05
